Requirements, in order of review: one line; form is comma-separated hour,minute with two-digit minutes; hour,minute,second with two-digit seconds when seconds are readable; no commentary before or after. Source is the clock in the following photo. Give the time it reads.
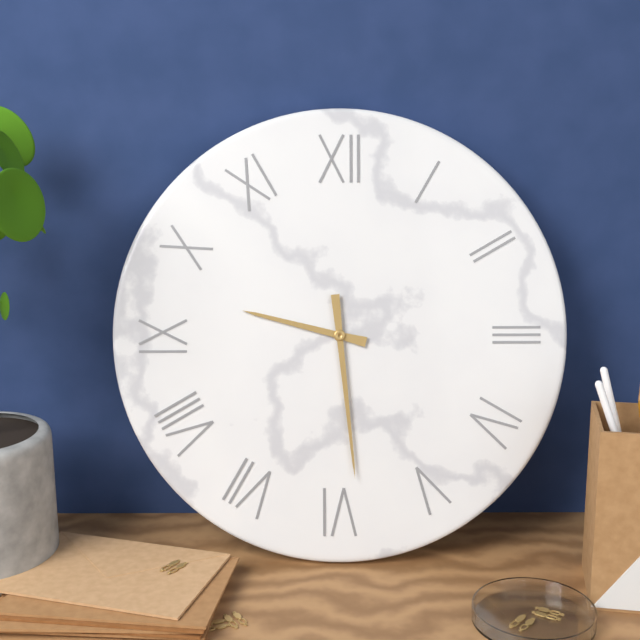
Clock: 9,29
